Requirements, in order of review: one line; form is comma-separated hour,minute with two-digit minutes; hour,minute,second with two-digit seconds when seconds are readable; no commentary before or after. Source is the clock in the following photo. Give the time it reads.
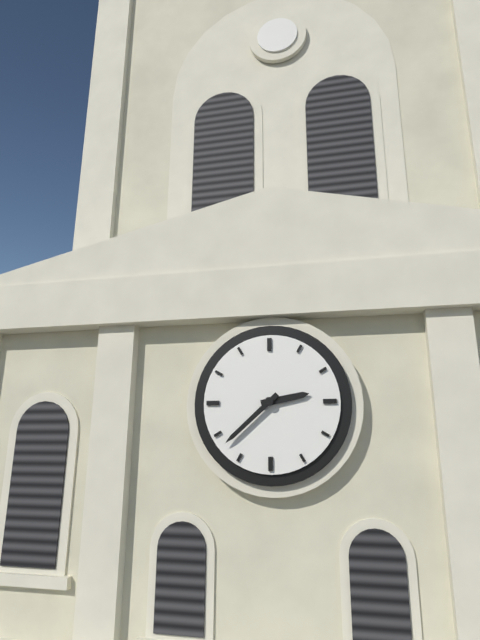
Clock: 2,38
